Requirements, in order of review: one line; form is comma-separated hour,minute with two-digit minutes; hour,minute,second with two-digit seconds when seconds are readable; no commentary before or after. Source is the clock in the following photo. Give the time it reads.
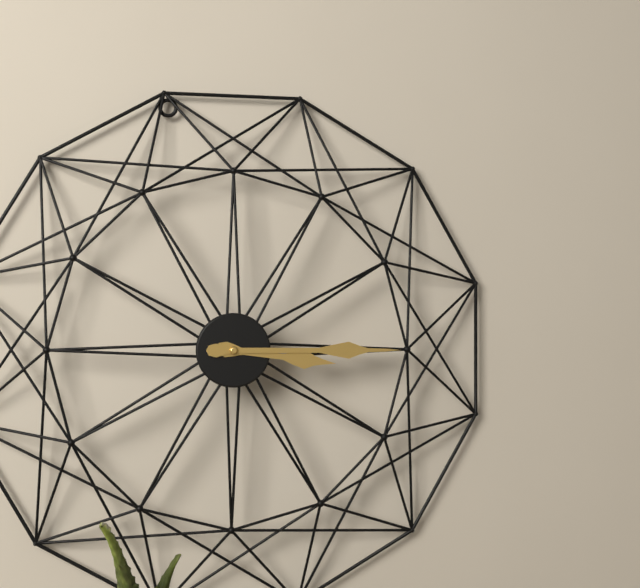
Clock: 3,15
